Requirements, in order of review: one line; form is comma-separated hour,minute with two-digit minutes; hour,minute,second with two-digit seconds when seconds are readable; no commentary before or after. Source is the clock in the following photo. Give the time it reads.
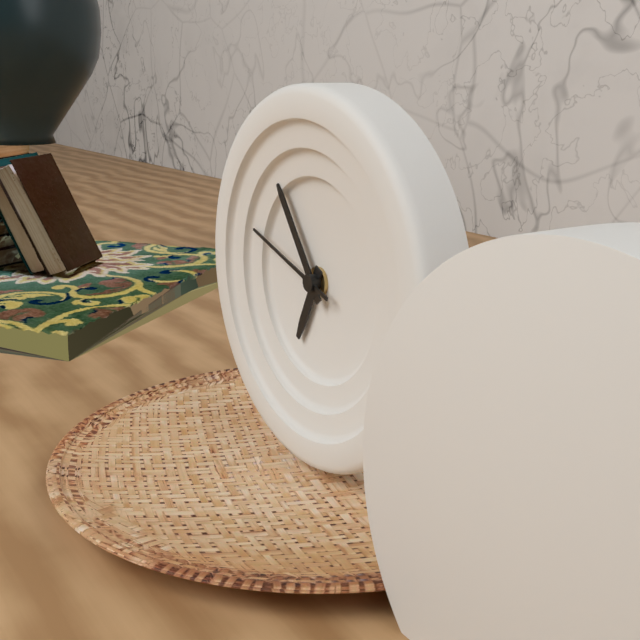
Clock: 6,54,48
